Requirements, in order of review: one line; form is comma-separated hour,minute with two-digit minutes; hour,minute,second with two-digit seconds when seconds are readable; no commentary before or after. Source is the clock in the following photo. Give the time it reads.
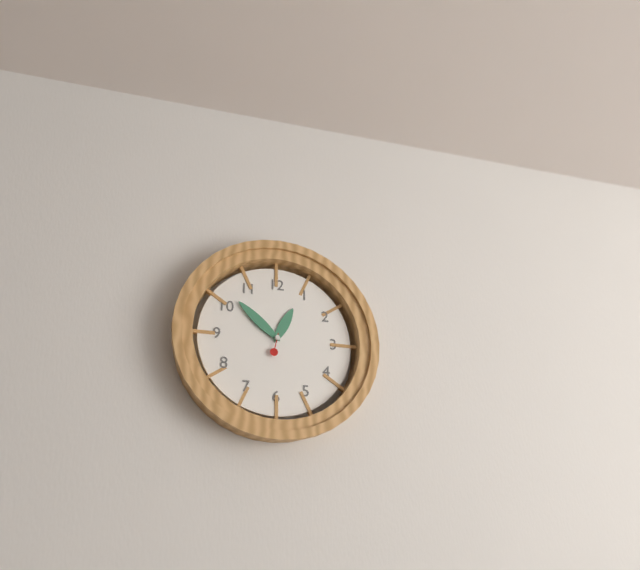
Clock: 12,52
